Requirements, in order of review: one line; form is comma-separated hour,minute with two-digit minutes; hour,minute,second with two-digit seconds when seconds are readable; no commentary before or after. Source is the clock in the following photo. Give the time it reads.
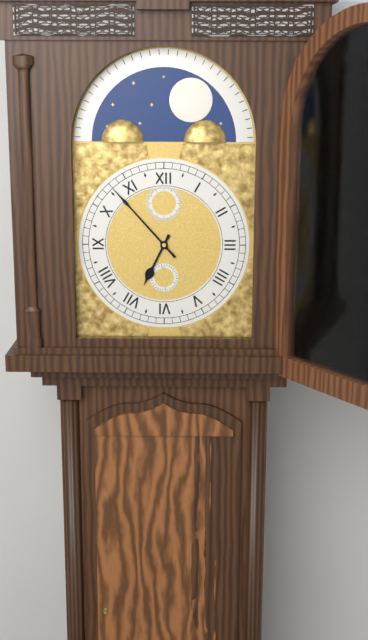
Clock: 6,53
